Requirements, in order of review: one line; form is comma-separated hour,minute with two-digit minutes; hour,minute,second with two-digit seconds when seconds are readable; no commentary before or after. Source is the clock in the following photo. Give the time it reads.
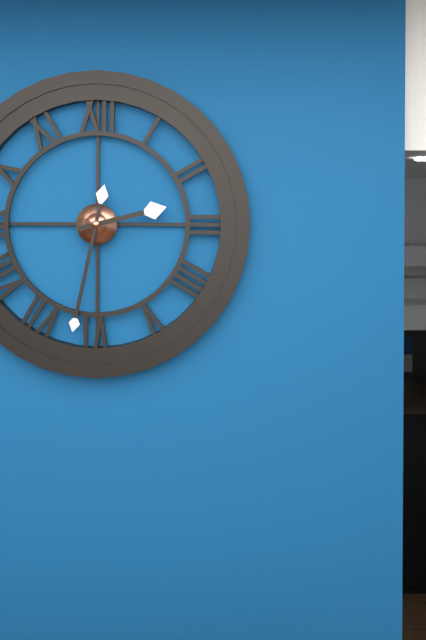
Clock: 2,32
